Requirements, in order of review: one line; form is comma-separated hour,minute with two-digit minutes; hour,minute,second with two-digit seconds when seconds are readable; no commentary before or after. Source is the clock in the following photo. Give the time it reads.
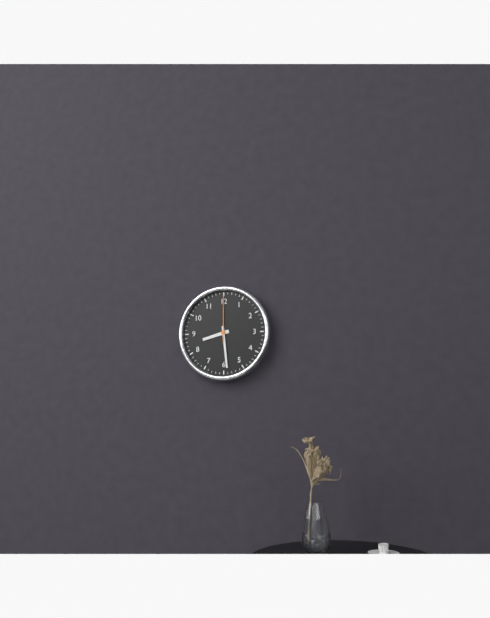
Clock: 8,29
